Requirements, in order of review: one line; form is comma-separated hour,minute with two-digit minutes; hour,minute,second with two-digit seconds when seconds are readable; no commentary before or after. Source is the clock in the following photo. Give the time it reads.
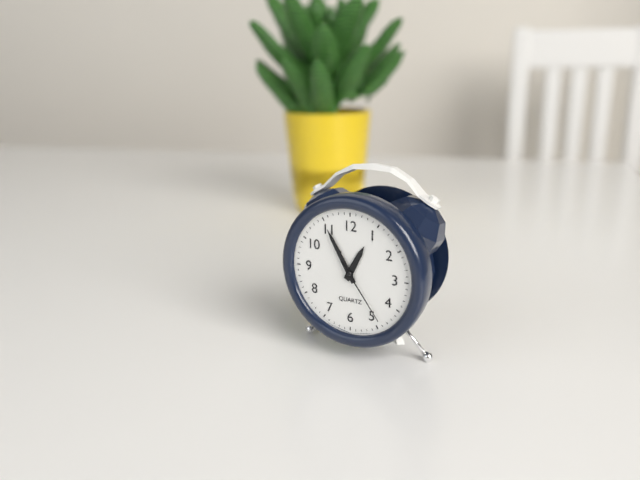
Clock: 12,55,24
